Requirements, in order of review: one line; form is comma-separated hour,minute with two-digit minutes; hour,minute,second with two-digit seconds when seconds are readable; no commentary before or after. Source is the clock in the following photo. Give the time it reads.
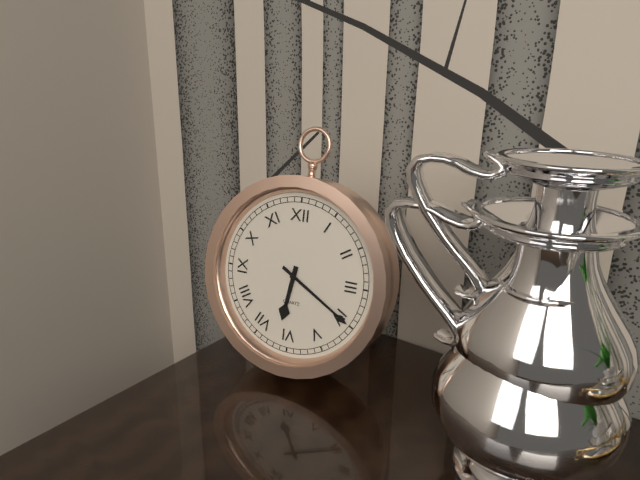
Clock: 6,20
